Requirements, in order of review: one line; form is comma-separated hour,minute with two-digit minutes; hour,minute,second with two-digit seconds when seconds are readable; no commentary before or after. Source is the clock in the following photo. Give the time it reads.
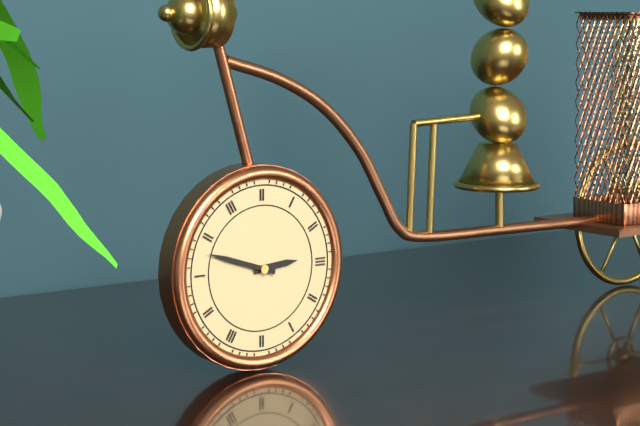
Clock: 2,48
